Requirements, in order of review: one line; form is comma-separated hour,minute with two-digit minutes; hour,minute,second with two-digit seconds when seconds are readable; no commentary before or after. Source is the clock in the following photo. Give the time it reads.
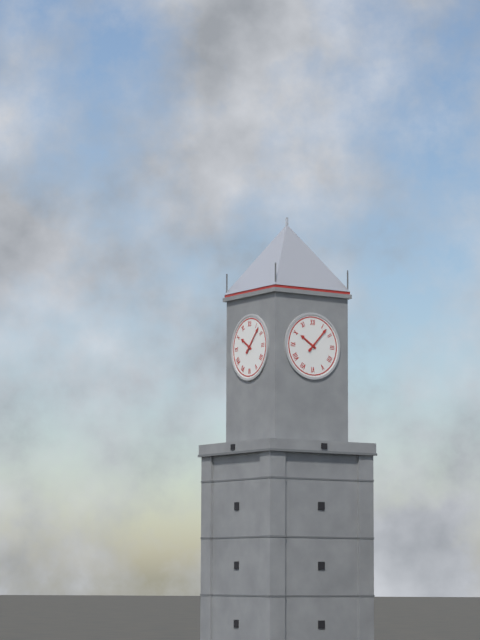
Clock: 10,07
